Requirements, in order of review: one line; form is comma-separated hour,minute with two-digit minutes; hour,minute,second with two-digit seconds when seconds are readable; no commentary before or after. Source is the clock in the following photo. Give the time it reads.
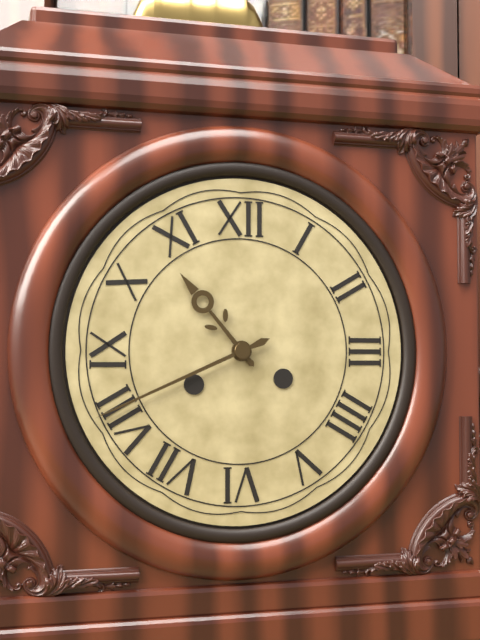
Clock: 10,41
